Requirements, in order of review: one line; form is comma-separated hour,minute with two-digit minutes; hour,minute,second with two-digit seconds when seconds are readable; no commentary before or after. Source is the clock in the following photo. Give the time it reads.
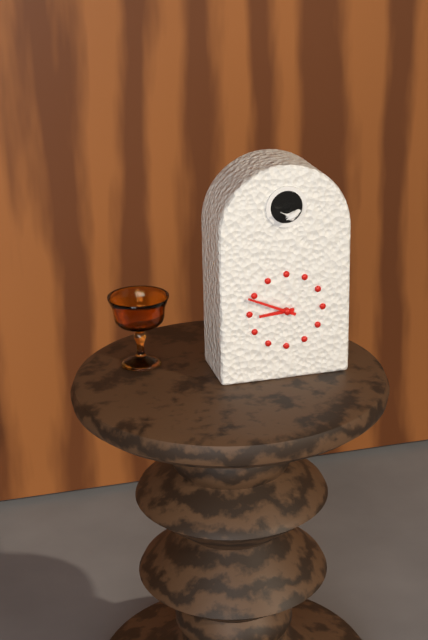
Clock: 8,49
